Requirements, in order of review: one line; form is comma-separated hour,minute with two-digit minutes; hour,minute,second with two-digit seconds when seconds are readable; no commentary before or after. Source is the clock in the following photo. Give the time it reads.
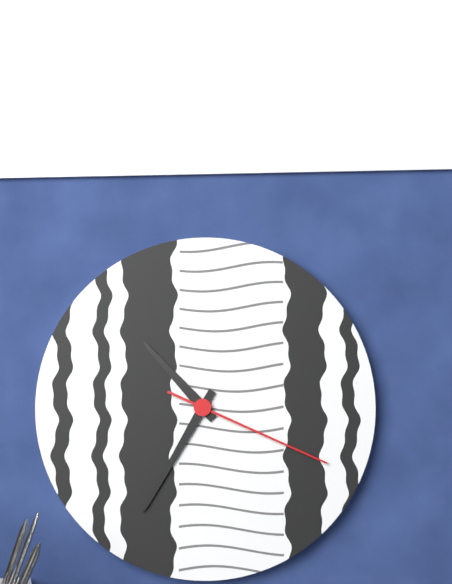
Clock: 10,35,19
